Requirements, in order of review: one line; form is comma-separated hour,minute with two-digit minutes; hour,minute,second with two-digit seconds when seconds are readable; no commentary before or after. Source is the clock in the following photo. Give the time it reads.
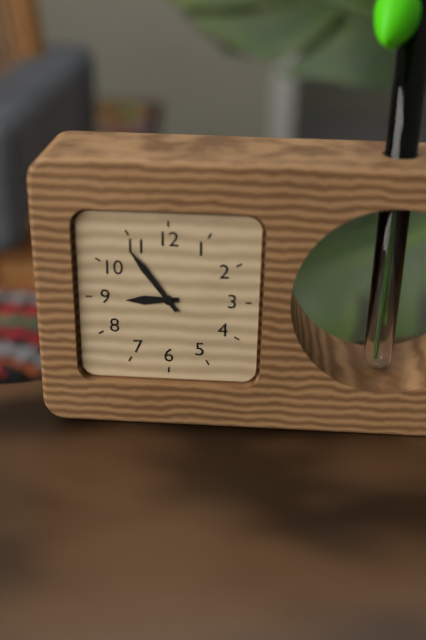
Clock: 8,54
